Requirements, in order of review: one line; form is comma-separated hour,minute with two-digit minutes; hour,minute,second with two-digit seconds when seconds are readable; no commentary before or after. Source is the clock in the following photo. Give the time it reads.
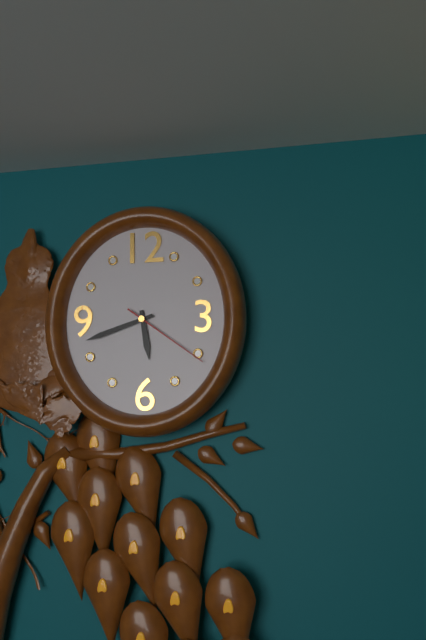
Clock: 5,42,21
